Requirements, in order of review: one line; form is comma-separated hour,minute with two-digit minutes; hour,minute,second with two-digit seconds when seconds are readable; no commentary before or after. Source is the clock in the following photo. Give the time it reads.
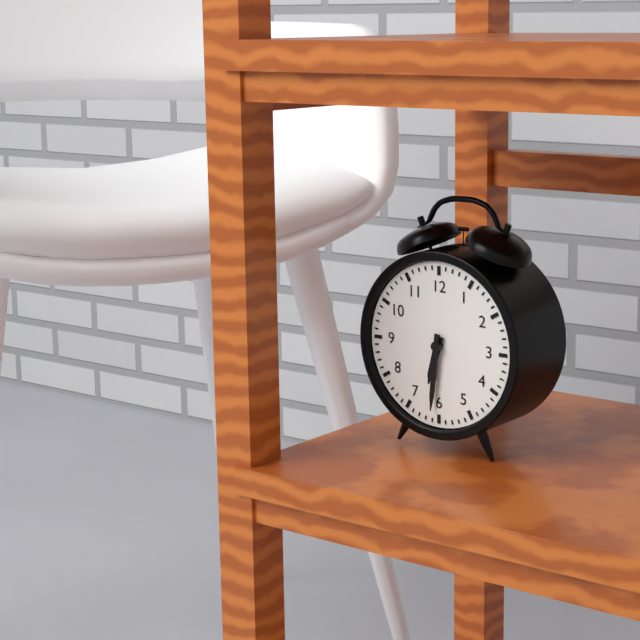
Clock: 6,31
